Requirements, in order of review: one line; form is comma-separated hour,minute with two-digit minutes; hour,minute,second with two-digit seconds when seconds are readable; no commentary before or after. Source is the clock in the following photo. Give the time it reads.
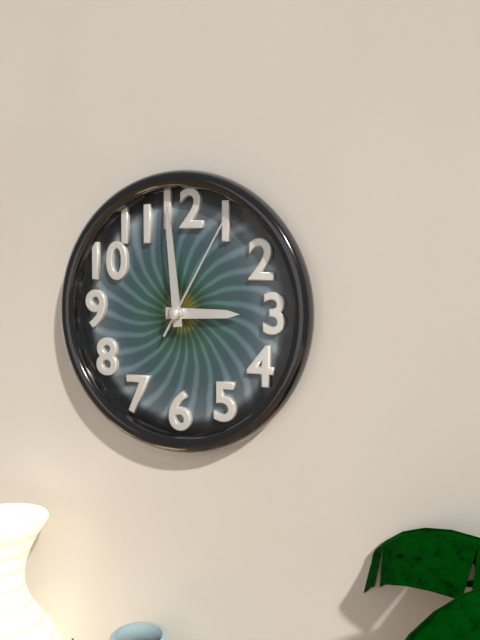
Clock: 2,59,05
